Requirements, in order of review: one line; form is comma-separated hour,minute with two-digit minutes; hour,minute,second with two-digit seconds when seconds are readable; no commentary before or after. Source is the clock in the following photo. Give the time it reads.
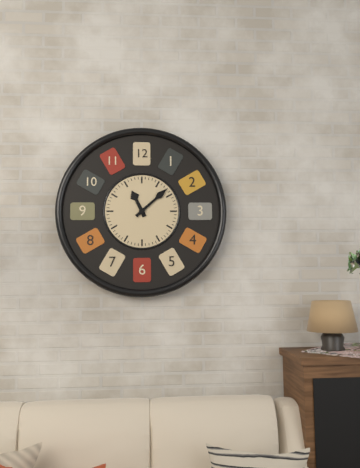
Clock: 11,08
